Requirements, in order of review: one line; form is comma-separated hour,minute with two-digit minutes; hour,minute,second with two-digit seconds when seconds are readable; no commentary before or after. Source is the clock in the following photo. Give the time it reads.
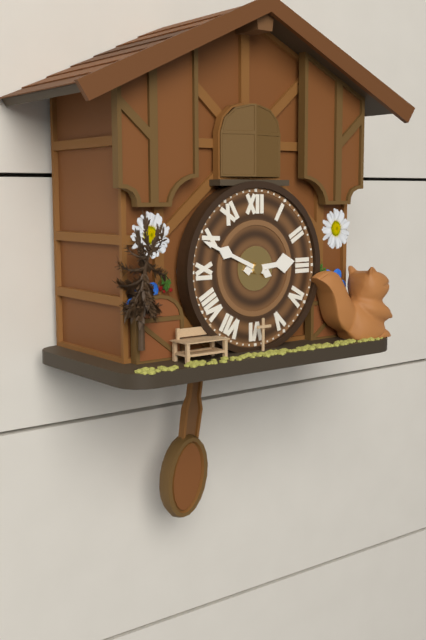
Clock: 2,49
